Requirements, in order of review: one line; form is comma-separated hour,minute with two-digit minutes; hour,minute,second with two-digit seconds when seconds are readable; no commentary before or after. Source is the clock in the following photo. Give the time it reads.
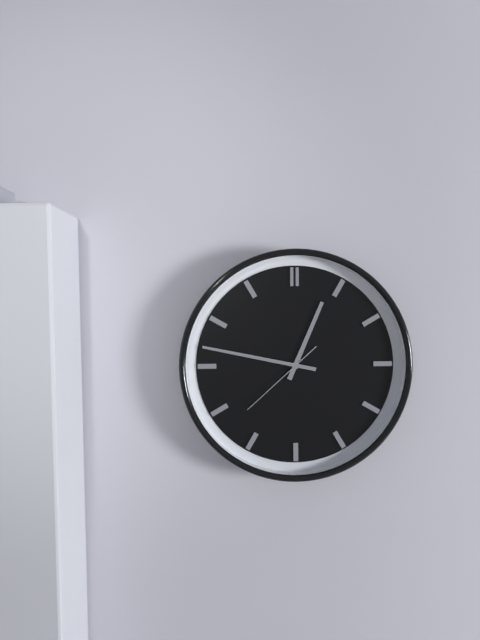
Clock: 12,47,38
